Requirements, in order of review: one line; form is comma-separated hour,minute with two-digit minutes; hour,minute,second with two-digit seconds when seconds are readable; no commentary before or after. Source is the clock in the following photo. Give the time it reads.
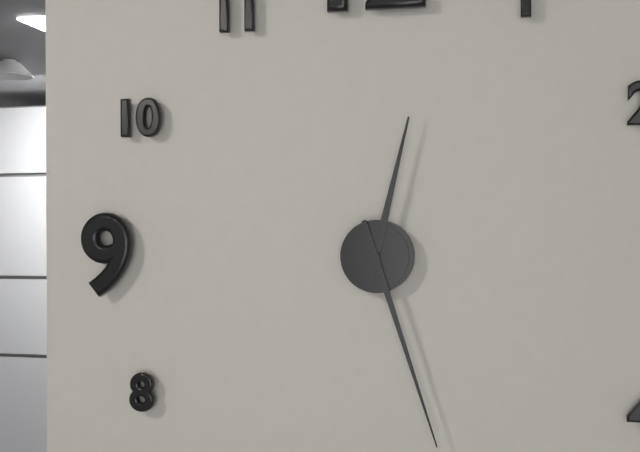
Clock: 12,27
